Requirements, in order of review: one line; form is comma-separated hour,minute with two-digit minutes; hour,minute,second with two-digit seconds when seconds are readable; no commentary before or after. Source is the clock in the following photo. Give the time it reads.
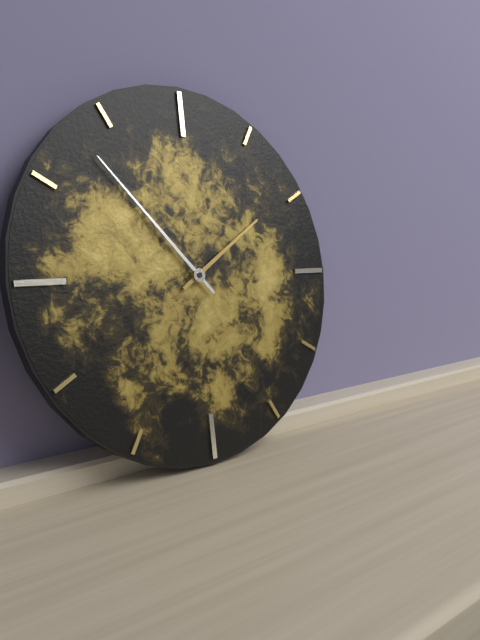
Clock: 1,53
